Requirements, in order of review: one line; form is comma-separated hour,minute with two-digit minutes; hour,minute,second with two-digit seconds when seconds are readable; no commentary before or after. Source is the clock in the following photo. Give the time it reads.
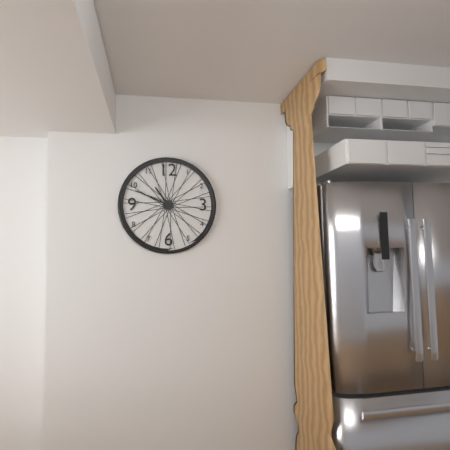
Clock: 10,49
